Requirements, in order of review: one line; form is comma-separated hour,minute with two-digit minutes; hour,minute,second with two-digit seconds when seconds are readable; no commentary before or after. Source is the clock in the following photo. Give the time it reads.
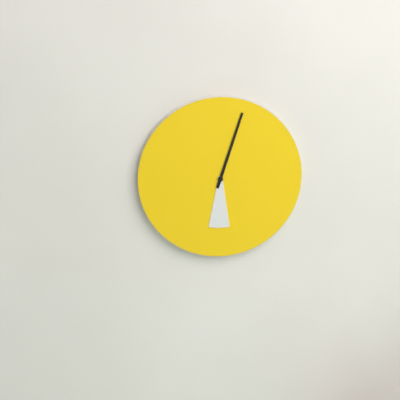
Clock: 6,03
